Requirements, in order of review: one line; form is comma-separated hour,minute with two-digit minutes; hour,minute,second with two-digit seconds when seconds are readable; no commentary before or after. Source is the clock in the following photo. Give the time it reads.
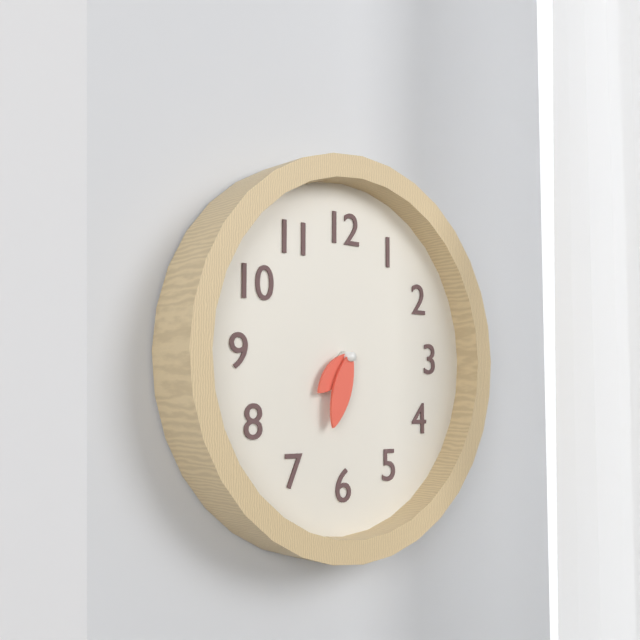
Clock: 7,33
